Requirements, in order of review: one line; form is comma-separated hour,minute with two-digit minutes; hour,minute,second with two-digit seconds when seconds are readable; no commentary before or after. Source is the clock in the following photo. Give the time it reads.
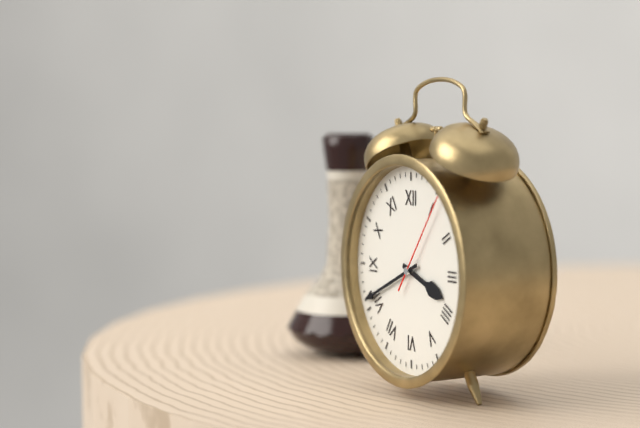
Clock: 3,41,06
